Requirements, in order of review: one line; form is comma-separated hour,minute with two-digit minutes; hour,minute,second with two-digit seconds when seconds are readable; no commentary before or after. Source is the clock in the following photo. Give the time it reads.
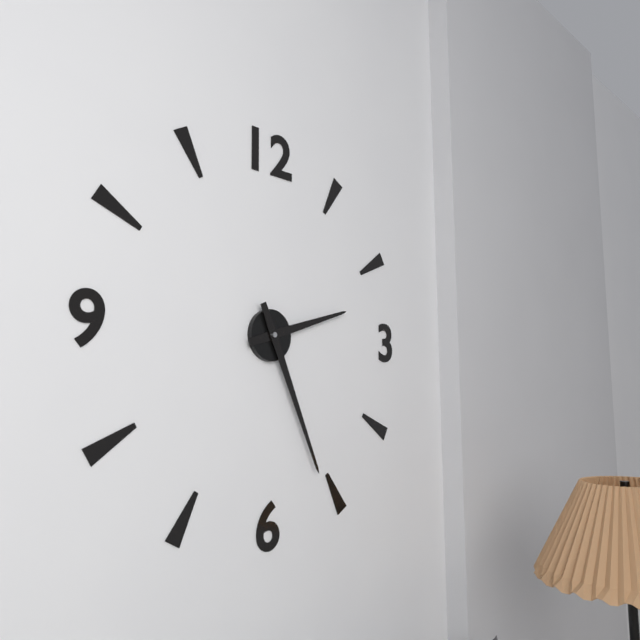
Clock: 2,26
